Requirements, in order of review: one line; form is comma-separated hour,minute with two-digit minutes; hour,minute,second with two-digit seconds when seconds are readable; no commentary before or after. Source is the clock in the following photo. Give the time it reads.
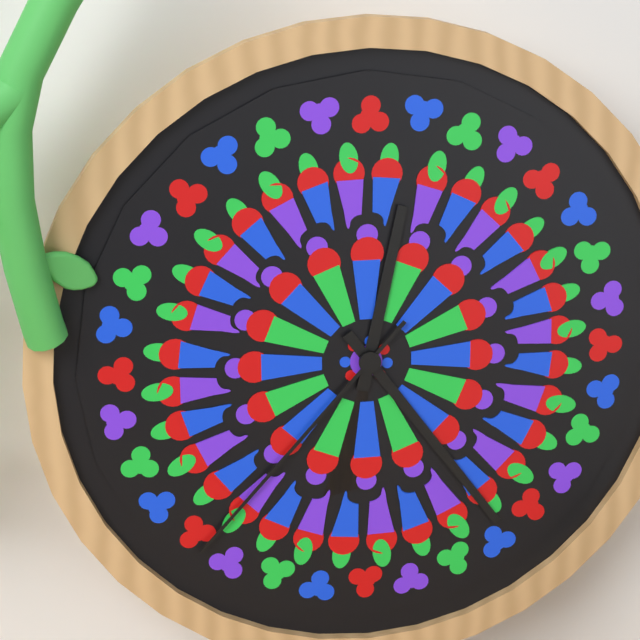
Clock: 12,24,37
